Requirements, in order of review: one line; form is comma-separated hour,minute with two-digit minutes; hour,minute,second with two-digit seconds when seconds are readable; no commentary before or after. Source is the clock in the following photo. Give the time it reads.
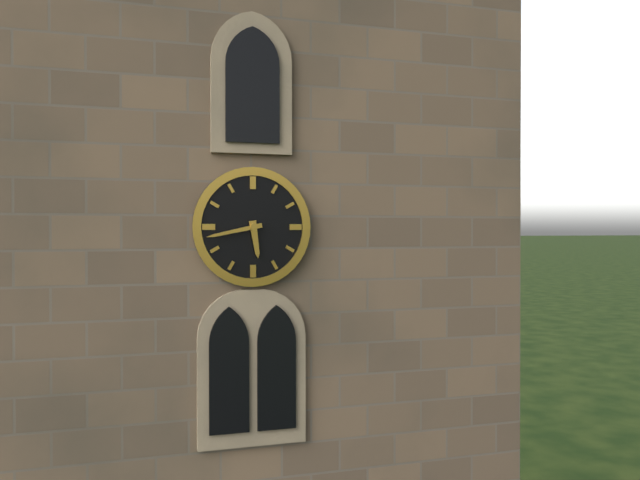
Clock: 5,43
